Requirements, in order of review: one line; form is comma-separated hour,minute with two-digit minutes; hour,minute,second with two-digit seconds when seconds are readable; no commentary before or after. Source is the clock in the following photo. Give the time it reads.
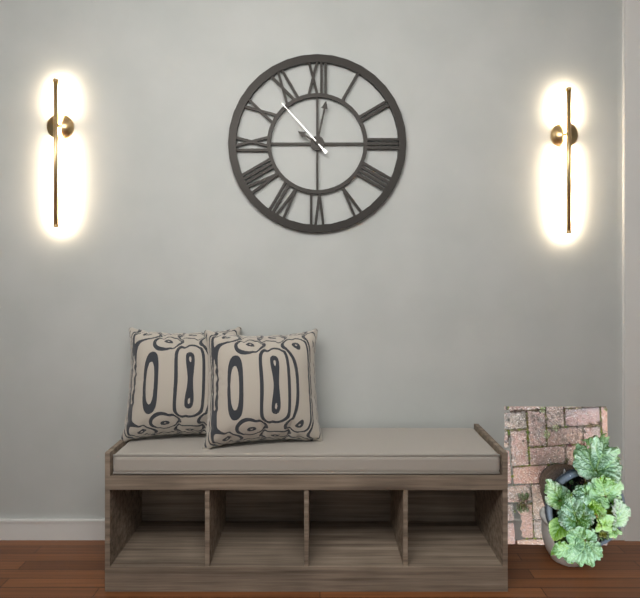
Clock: 10,02,53
